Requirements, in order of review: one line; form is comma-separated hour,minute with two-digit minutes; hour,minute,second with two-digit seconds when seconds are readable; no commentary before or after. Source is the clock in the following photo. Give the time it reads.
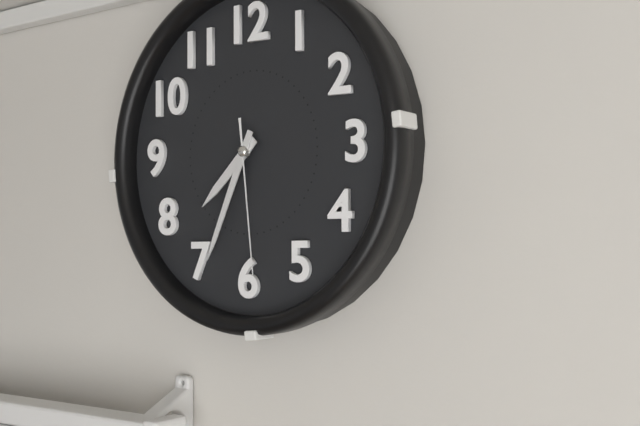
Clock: 7,34,29
